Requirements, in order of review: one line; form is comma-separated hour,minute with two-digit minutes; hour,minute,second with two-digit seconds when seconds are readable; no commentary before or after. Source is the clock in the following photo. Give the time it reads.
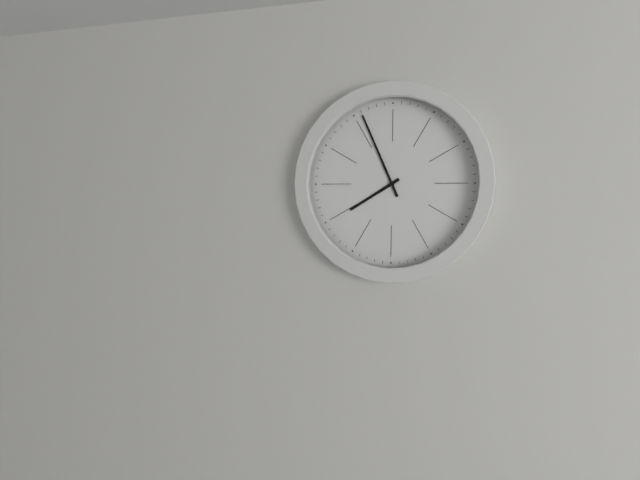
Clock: 7,56
